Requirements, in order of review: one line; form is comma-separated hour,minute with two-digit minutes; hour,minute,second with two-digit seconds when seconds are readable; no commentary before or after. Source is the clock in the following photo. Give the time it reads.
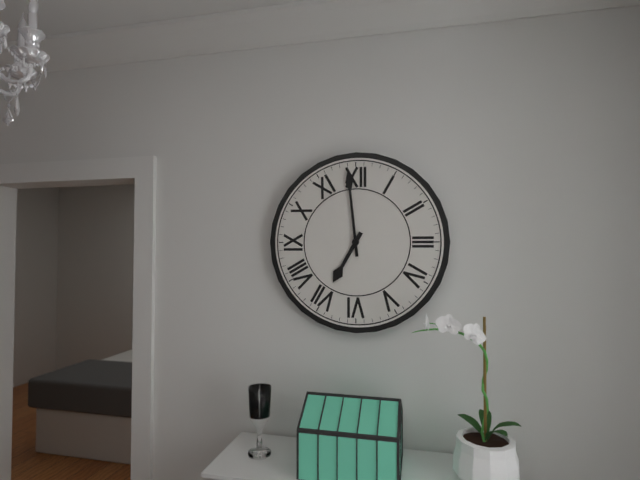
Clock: 6,59
